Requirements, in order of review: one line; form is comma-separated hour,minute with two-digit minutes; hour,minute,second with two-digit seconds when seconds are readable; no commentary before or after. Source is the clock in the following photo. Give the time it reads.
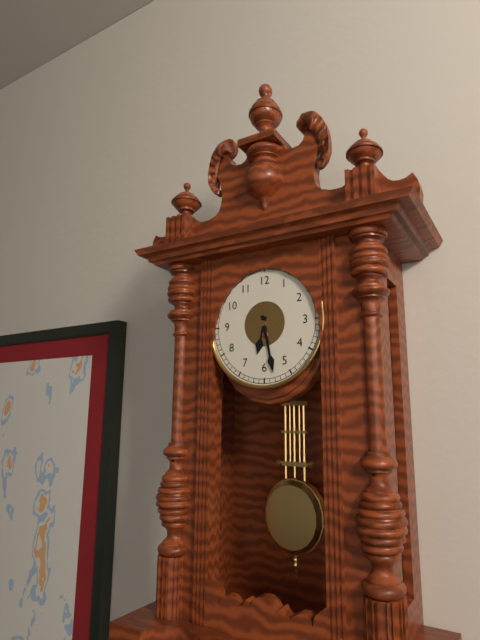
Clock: 6,28
